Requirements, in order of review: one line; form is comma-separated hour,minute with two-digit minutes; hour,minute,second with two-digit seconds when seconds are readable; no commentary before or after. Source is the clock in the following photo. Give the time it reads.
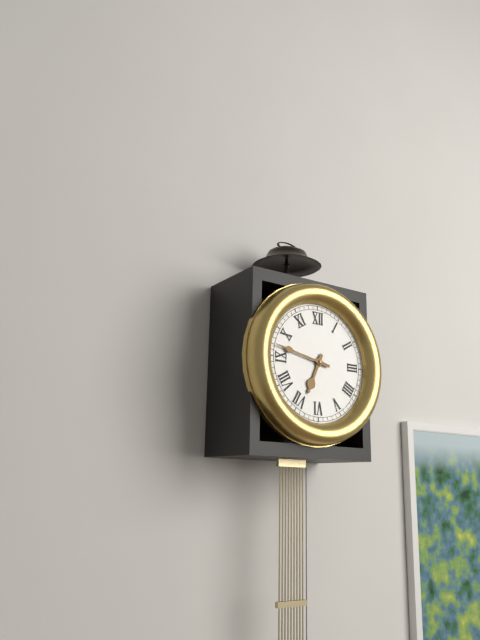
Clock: 6,47
